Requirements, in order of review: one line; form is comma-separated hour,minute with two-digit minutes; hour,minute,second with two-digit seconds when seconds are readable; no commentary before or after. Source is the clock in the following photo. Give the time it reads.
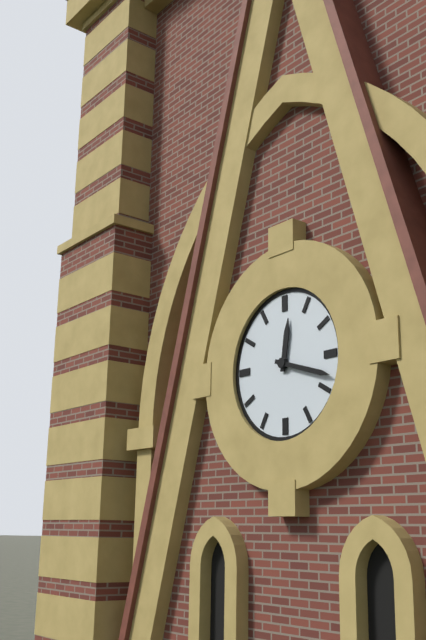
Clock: 12,18
